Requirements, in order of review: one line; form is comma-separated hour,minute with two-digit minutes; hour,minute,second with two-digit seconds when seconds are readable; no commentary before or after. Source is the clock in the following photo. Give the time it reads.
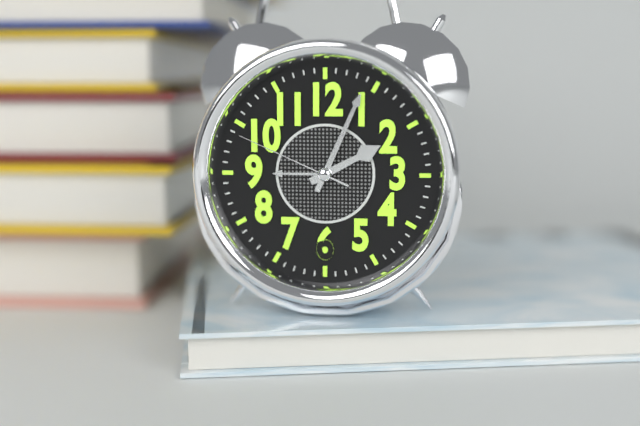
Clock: 2,04,49
